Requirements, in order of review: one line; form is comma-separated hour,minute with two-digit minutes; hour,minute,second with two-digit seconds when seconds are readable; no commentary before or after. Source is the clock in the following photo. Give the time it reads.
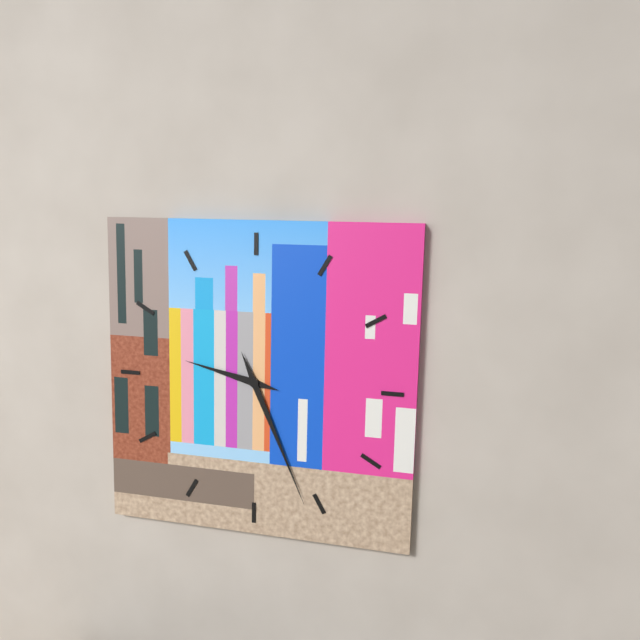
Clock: 9,26
